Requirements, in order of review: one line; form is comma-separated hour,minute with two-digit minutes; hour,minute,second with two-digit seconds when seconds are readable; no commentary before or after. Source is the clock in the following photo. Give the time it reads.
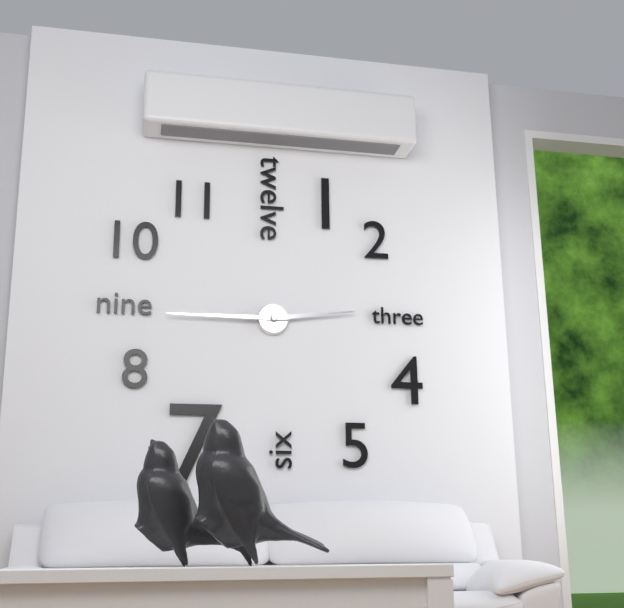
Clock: 2,45
